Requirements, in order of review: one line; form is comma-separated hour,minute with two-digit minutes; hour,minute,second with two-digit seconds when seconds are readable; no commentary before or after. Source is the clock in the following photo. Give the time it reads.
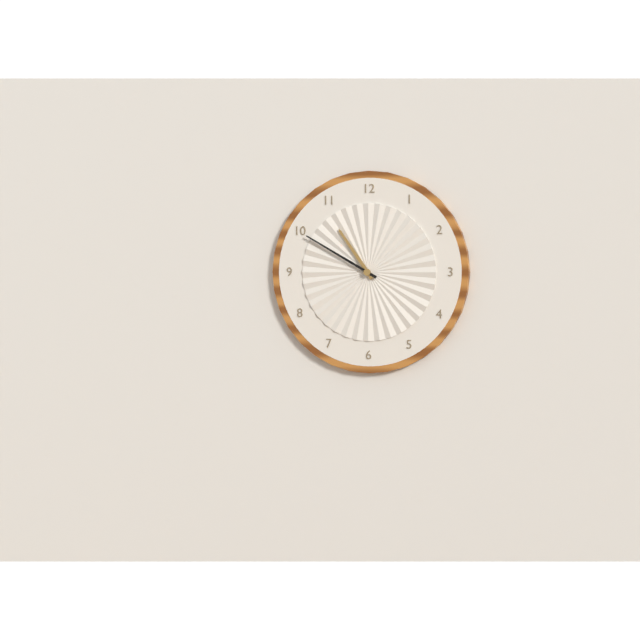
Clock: 10,50
